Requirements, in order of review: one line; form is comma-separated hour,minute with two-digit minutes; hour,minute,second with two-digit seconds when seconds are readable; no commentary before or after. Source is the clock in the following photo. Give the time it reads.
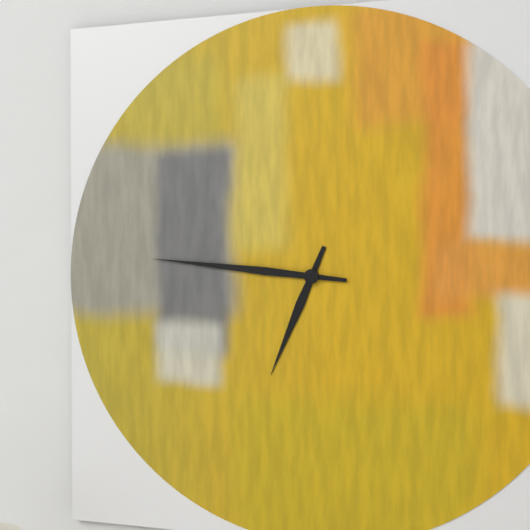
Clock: 6,46
